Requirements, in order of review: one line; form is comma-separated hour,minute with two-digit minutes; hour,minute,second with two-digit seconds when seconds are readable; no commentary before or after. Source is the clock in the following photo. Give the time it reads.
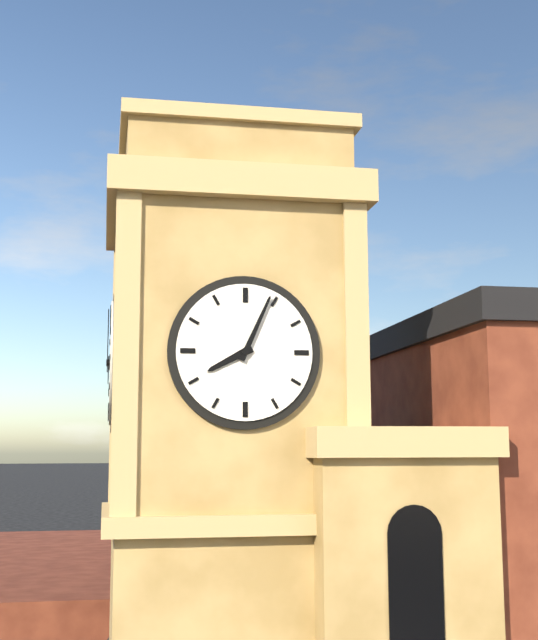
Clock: 8,04
